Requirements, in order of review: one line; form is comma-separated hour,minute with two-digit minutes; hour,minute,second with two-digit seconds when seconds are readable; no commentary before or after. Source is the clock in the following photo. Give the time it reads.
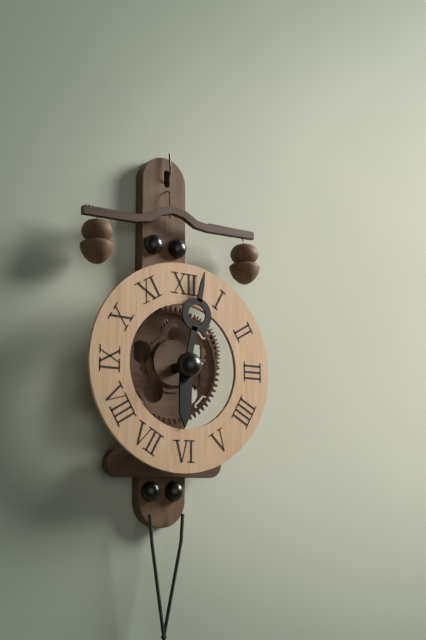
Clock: 6,02
